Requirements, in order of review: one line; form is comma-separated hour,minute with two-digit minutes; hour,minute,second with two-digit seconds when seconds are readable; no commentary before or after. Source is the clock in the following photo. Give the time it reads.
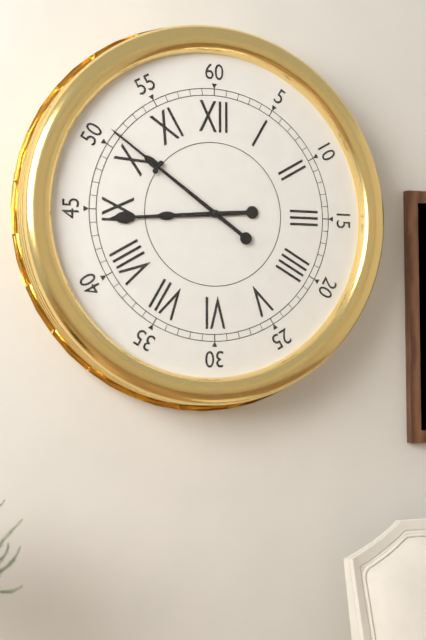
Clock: 8,51
